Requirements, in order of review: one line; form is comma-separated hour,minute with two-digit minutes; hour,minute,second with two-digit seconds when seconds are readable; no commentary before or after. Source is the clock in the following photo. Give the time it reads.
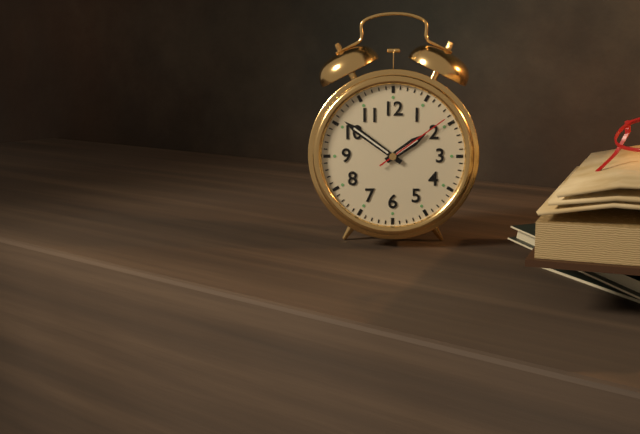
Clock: 1,51,09
